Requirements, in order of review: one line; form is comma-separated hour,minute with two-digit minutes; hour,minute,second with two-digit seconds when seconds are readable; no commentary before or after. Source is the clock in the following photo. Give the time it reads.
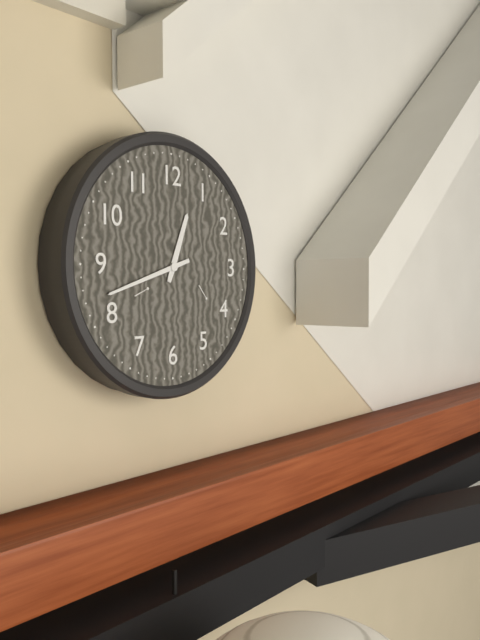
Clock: 12,42
